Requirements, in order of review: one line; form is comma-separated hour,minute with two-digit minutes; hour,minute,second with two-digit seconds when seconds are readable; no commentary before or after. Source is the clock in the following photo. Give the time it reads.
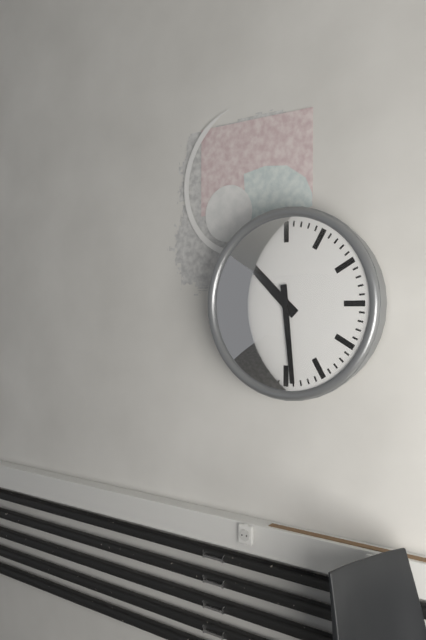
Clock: 10,29
